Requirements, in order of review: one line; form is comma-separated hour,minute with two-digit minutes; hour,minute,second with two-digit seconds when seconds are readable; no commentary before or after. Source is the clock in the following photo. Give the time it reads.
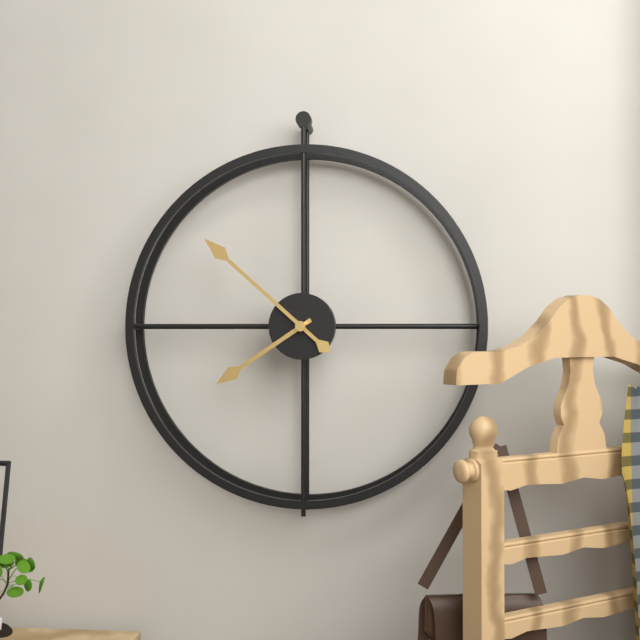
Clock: 7,52
